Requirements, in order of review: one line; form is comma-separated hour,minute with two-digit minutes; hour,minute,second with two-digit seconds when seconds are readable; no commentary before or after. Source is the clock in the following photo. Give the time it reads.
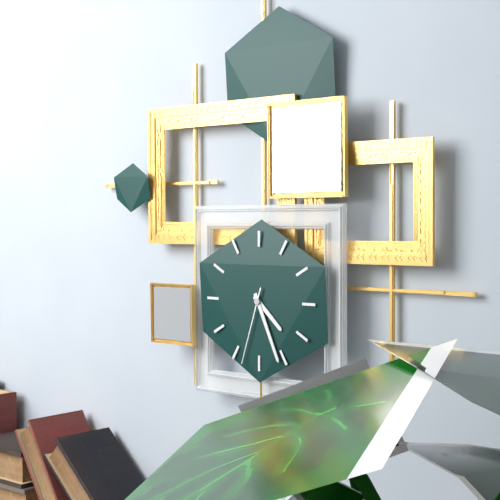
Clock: 4,26,33
